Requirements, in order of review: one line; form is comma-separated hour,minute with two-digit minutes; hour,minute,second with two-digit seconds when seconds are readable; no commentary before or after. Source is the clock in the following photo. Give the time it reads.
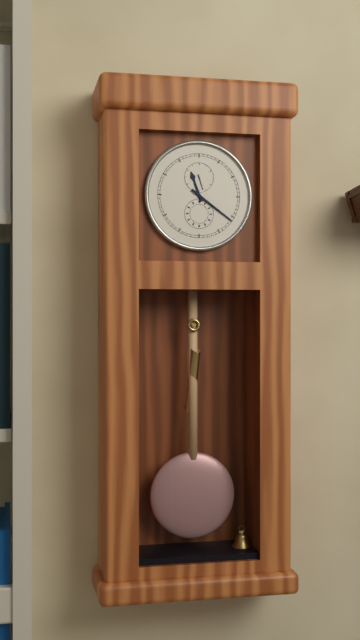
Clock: 11,21
